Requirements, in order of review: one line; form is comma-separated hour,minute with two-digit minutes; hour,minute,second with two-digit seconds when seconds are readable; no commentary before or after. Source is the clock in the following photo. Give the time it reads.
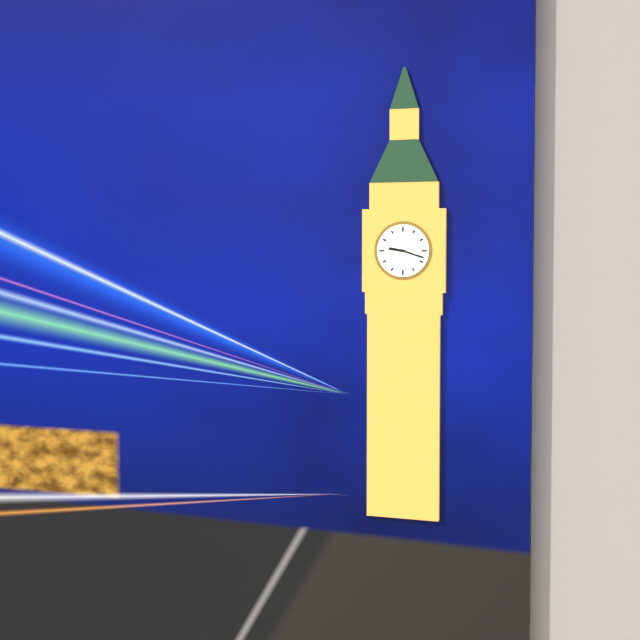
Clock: 9,18
